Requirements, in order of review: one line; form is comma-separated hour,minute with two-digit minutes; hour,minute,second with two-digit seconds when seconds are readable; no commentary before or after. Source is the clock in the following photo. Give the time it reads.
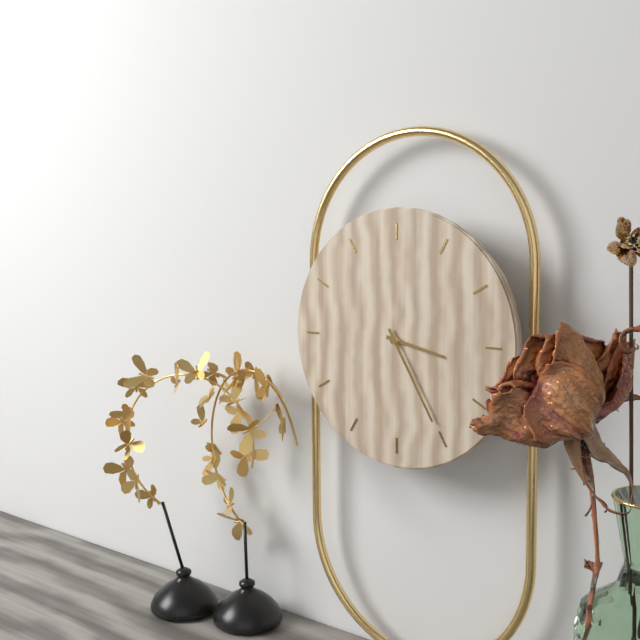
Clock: 3,25
